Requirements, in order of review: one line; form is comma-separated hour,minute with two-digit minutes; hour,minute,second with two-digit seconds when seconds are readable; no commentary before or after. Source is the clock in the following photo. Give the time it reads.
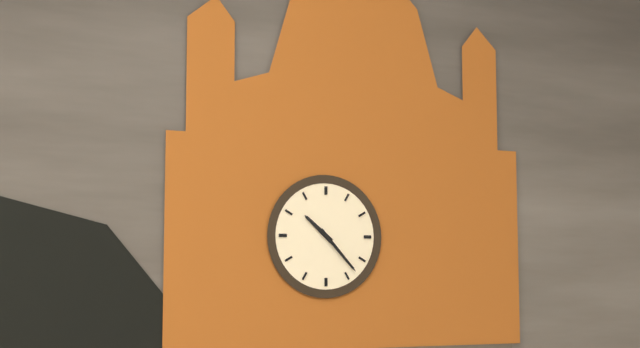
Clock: 10,23
